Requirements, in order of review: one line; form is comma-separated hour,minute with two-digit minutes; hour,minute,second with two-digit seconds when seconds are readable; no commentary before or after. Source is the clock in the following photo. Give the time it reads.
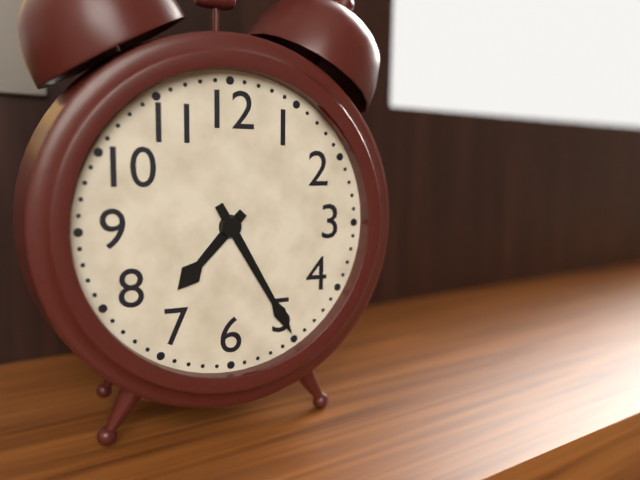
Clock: 7,25
